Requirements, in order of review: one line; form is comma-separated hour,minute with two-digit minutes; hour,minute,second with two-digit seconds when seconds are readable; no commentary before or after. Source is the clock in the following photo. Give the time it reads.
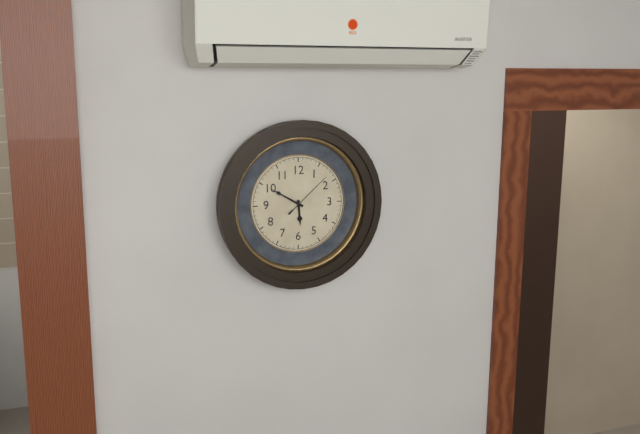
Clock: 5,50
